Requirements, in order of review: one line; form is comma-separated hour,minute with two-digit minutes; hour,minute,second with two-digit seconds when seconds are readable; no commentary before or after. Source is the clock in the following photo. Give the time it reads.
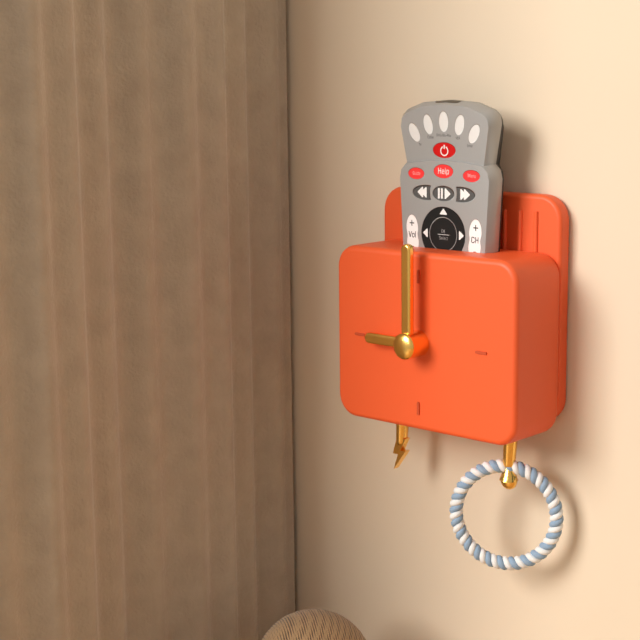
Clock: 9,00
